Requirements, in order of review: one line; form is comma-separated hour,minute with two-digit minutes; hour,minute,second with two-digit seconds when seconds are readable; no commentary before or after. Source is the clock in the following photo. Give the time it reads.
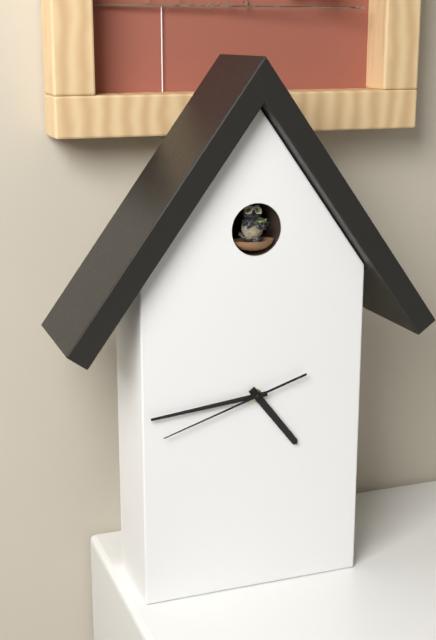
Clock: 4,44,42
